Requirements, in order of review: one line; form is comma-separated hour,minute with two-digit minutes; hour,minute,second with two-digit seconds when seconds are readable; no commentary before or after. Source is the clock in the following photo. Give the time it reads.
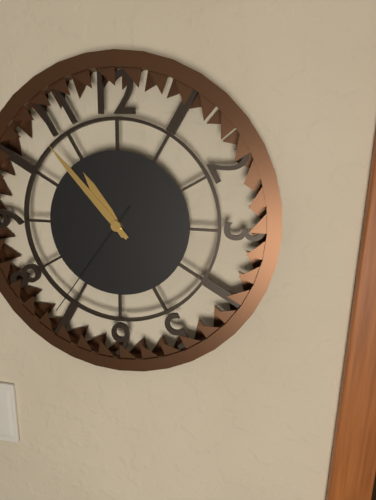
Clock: 10,53,36
